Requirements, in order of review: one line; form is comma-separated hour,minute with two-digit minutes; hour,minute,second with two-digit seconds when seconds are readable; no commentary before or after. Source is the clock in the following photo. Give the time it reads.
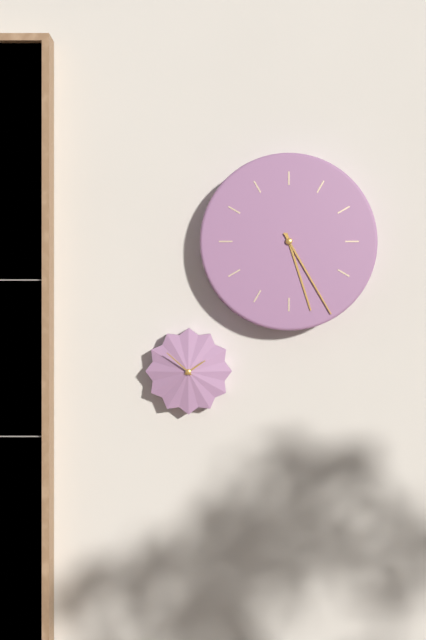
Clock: 5,25
